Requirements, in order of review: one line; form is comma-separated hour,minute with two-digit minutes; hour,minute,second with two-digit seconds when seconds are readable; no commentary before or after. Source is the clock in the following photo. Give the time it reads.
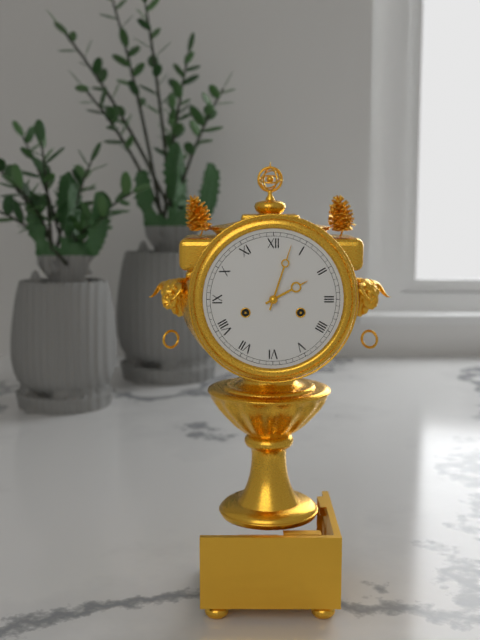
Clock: 2,03
